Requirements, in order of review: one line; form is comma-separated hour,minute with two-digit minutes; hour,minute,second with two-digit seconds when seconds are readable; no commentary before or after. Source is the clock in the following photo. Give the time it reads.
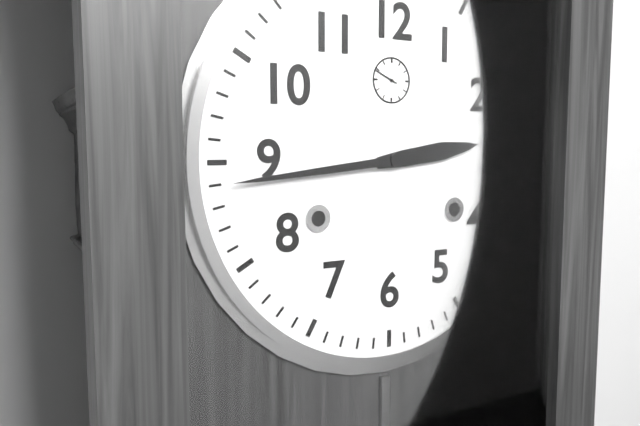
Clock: 2,44
